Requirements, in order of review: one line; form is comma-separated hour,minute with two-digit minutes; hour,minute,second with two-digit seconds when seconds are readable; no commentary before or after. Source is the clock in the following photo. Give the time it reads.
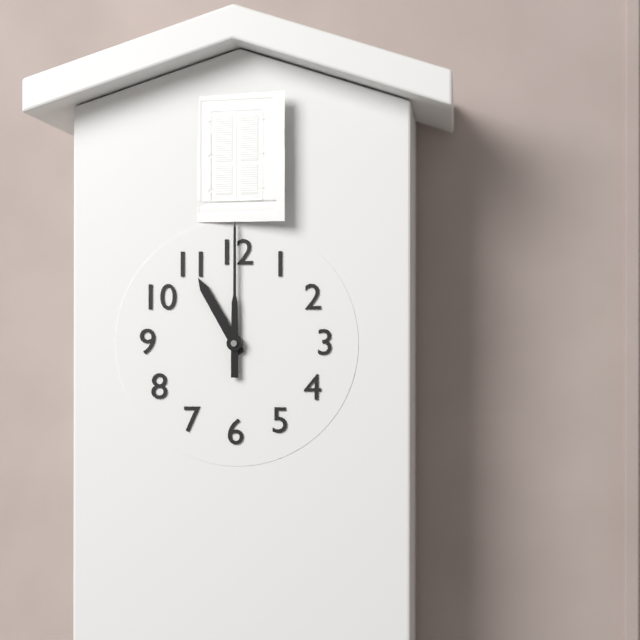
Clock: 11,00
